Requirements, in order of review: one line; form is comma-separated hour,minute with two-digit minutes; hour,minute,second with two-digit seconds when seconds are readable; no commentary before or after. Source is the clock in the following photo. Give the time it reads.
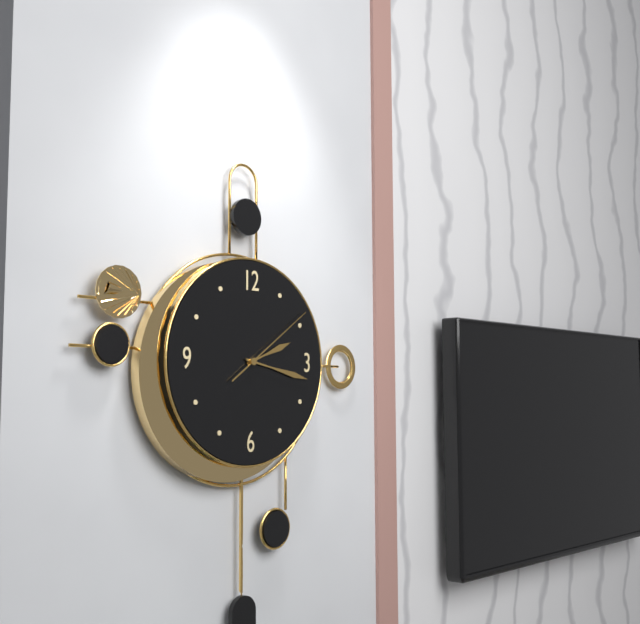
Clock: 2,17,09
